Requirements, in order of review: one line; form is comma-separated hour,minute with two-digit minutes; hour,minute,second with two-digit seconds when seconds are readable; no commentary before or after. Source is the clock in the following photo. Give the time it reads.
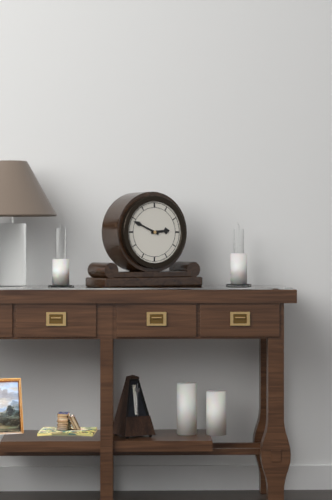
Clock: 2,49
